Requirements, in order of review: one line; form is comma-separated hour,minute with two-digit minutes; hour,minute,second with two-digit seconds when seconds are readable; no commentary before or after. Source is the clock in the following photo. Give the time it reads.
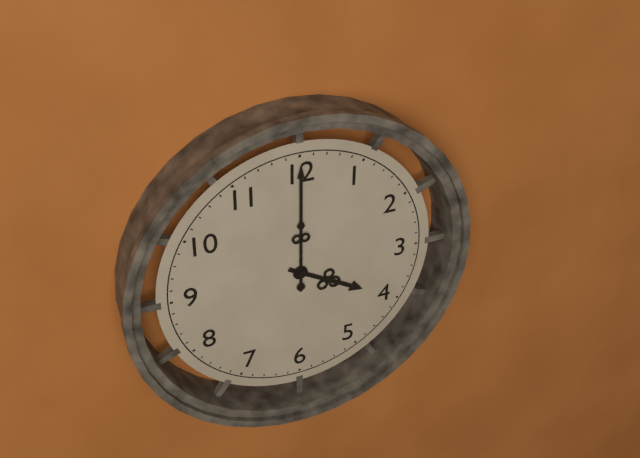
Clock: 4,00
